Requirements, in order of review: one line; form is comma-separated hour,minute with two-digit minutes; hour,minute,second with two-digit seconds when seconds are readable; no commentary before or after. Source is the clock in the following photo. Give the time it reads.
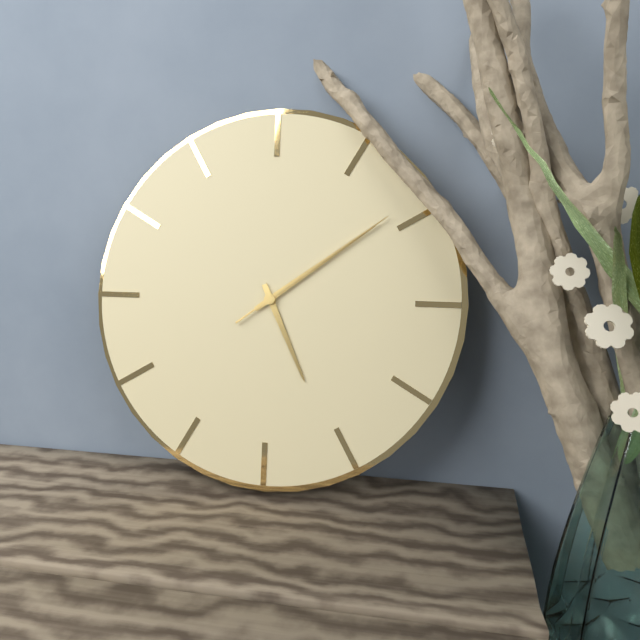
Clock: 5,09,09
